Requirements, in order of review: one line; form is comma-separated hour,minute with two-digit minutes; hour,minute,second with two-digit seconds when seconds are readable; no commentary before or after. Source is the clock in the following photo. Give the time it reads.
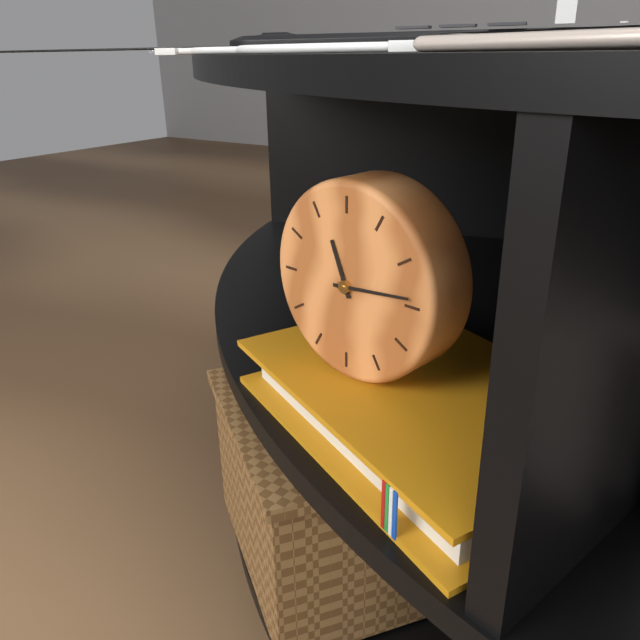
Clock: 11,14
